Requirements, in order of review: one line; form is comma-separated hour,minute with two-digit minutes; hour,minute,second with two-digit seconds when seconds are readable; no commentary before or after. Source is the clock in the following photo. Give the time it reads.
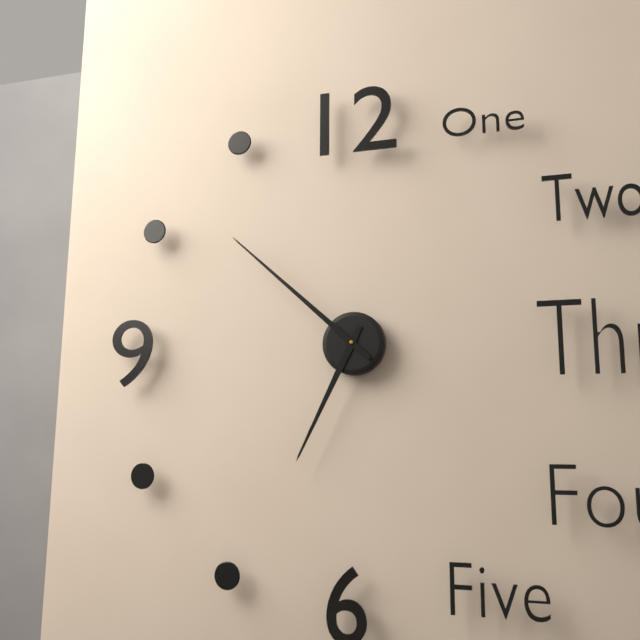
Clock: 6,52
